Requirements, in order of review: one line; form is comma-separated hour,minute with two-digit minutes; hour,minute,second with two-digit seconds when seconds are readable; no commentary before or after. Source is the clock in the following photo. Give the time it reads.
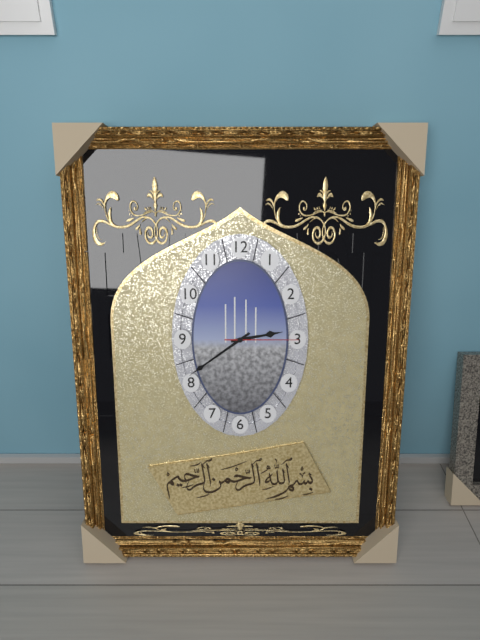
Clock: 2,39,15
